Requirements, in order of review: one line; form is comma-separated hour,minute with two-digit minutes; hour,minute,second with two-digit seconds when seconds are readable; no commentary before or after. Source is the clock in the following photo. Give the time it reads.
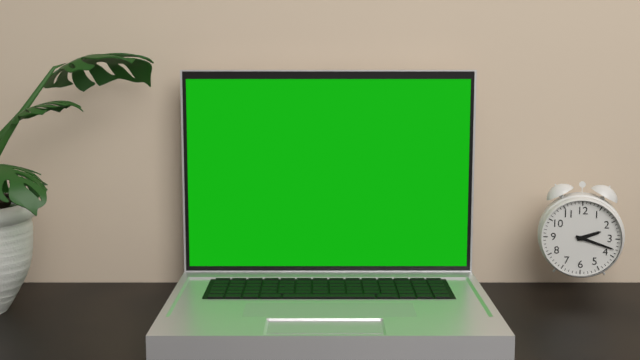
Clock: 2,18
